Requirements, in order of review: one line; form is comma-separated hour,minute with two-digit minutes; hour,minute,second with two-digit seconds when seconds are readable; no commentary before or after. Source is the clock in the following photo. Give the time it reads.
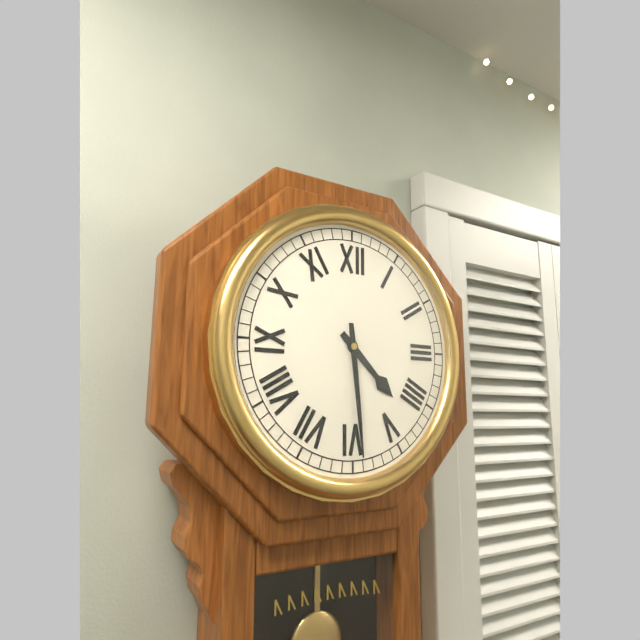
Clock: 4,29
